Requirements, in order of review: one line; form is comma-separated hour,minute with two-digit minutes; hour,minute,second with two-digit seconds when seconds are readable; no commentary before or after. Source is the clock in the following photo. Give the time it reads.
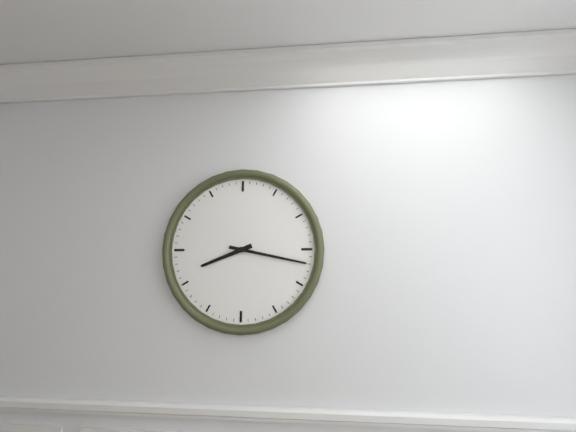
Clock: 8,17
